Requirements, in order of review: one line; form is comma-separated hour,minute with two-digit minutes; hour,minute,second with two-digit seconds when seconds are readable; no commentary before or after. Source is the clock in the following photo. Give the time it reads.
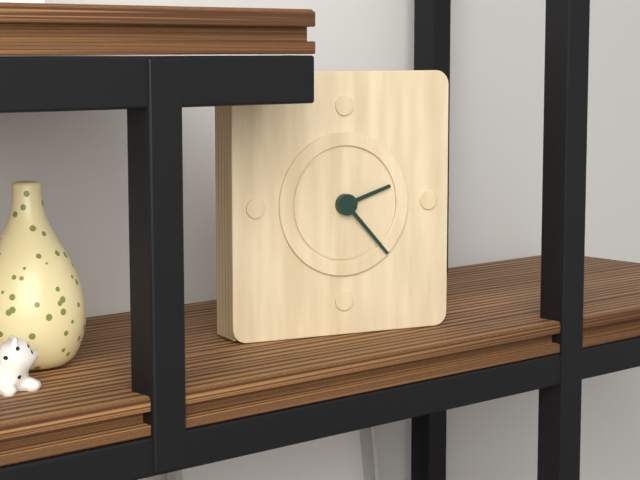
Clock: 2,23
